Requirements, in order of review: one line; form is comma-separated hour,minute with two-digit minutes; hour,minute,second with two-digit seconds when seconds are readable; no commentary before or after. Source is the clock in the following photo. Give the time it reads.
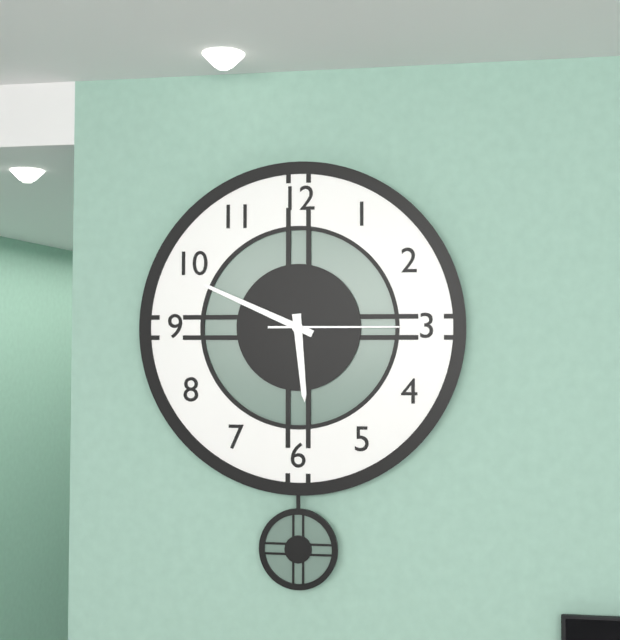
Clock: 5,49,15
